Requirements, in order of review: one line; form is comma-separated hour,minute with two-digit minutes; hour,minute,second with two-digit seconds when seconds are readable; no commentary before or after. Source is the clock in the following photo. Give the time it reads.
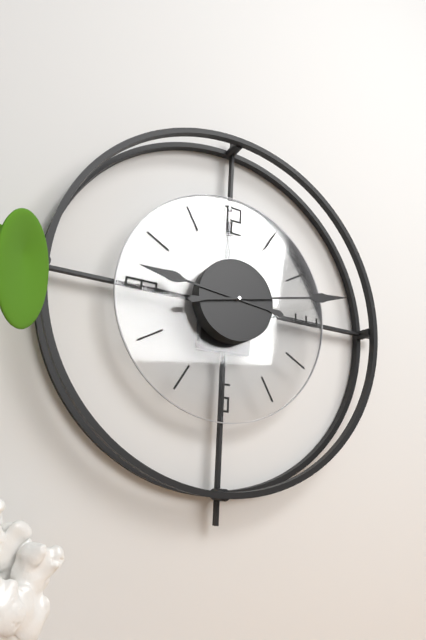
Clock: 9,13
